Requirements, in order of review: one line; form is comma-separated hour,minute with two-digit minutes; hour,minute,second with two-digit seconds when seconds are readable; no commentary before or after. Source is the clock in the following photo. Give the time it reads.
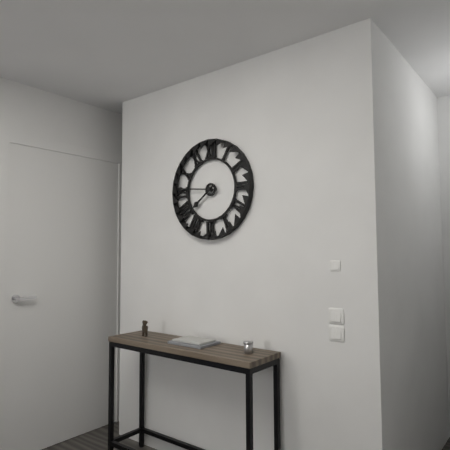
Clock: 7,46
